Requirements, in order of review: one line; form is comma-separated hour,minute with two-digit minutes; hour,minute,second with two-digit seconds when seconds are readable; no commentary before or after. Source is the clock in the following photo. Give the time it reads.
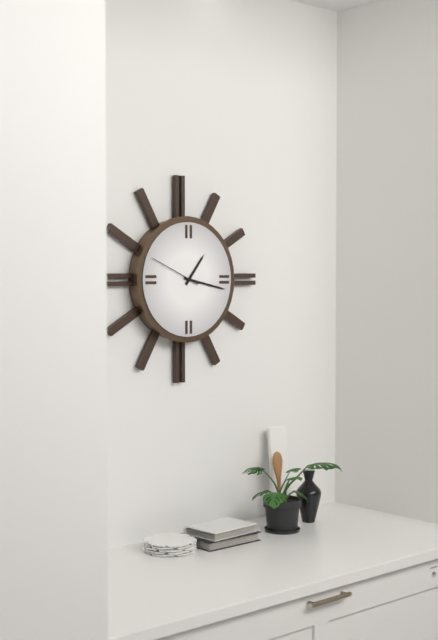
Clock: 1,17,49
